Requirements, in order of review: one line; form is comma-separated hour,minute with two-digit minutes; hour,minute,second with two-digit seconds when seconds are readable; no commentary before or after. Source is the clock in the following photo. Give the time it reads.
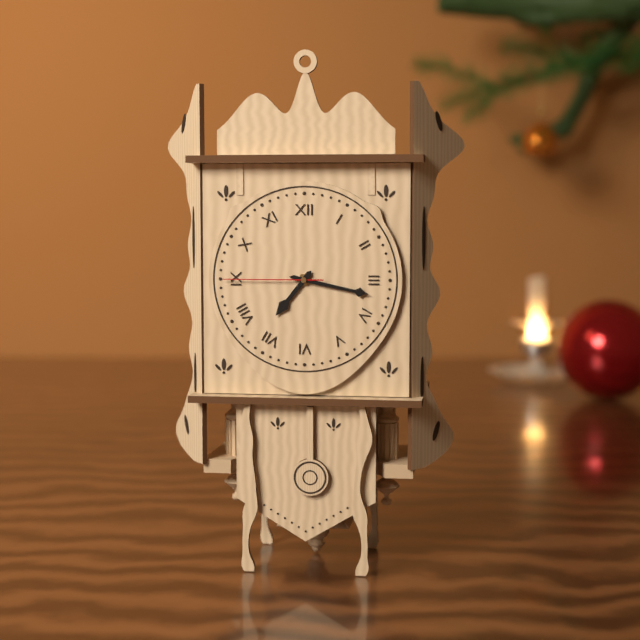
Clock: 7,17,45
